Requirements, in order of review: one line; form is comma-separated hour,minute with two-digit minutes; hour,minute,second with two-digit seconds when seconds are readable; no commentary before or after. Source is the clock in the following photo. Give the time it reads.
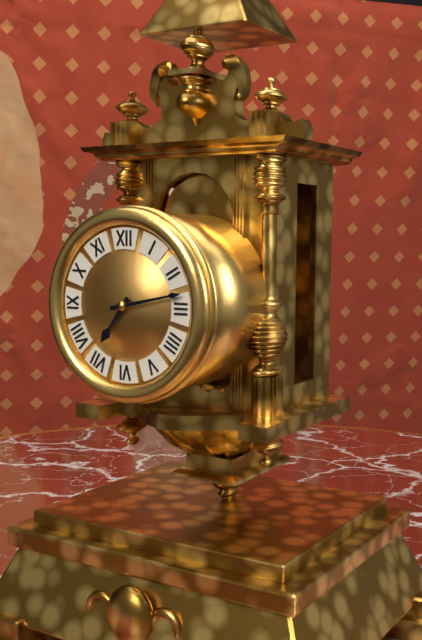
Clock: 7,13
